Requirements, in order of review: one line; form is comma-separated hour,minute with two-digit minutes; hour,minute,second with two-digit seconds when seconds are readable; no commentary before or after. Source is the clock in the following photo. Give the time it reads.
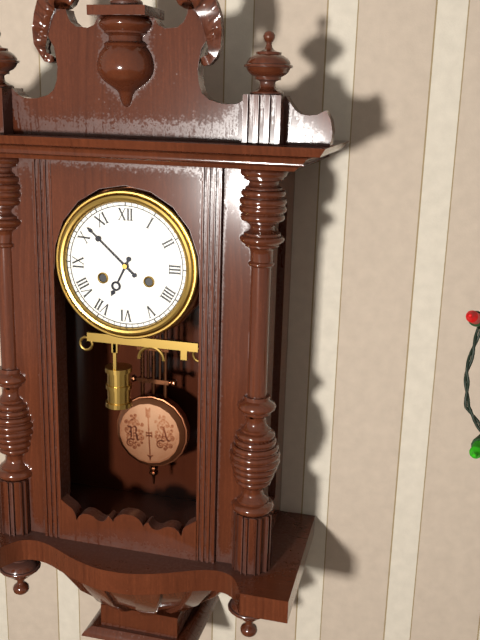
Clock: 6,52
